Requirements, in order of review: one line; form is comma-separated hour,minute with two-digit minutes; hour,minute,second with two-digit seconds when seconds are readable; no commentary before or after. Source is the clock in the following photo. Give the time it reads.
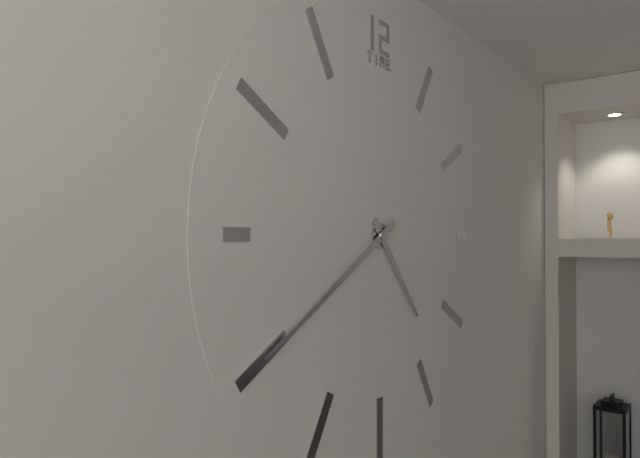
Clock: 4,40
